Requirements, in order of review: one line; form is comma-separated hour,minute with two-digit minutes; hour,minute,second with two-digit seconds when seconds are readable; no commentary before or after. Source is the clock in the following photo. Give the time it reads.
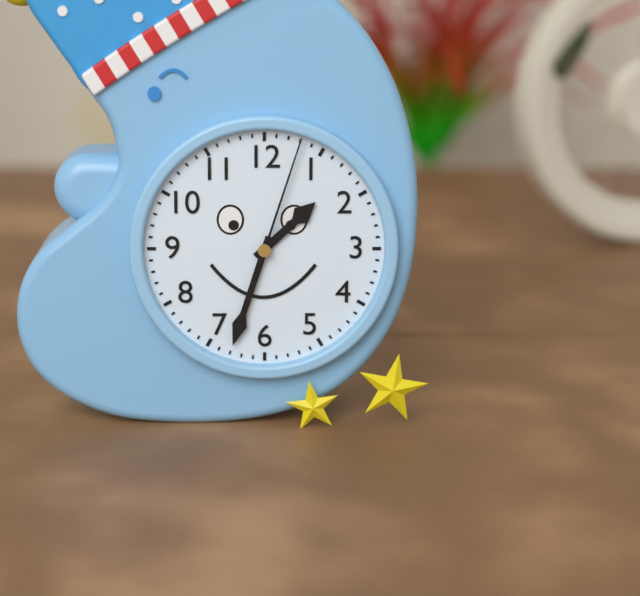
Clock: 1,33,03
